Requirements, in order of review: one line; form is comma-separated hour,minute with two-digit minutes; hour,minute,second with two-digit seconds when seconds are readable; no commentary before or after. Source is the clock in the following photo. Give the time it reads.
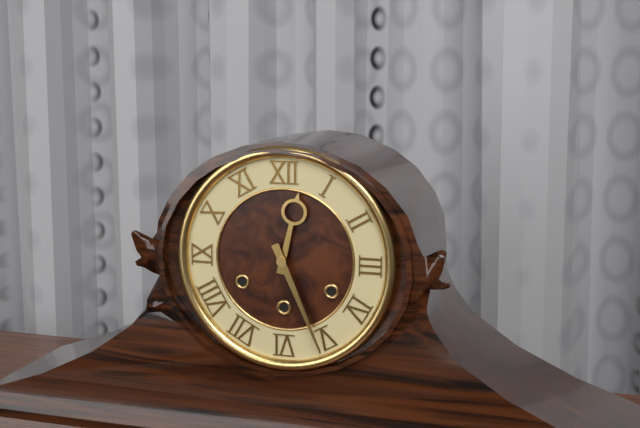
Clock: 12,26
